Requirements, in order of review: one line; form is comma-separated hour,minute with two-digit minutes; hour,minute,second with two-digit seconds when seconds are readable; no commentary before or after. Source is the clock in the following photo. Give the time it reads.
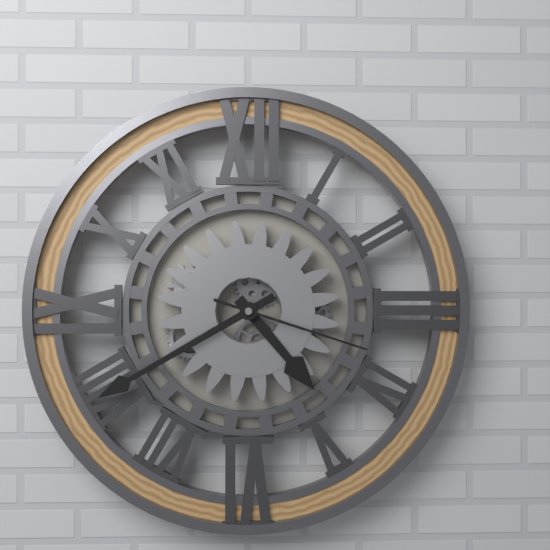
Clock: 4,40,18
